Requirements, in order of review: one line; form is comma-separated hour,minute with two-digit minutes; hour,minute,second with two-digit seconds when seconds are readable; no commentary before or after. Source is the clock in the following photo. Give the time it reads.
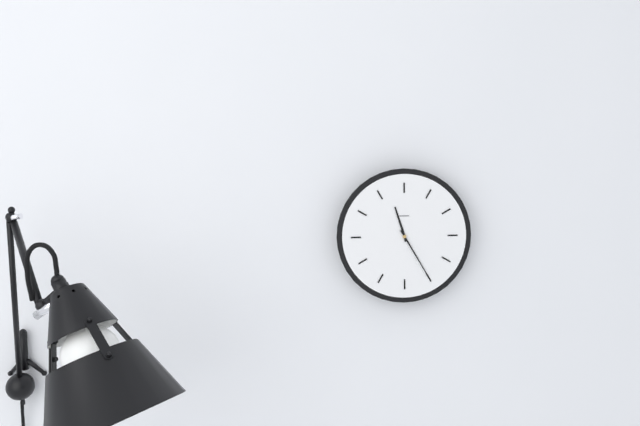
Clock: 11,25
